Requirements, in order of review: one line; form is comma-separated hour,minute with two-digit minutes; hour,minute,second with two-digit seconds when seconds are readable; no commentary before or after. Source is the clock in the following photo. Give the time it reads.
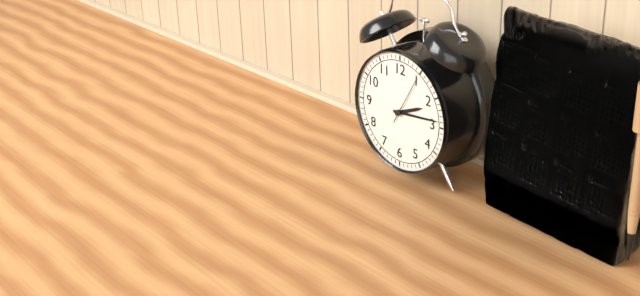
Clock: 2,14
